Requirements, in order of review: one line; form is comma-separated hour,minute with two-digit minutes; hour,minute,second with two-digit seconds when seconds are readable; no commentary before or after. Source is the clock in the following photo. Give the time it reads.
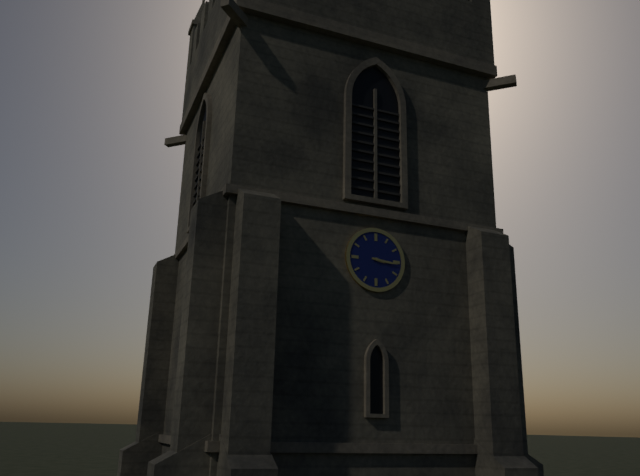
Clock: 3,16
